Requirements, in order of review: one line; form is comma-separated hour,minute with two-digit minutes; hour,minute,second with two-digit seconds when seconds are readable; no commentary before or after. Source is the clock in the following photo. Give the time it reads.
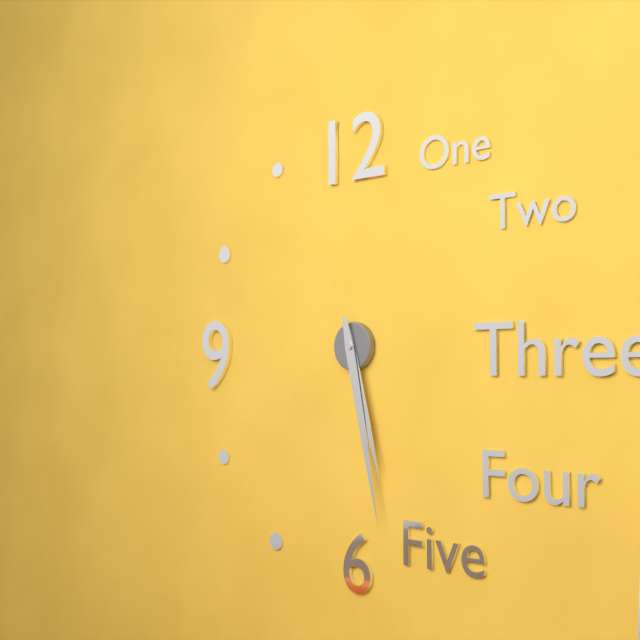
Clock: 5,28
